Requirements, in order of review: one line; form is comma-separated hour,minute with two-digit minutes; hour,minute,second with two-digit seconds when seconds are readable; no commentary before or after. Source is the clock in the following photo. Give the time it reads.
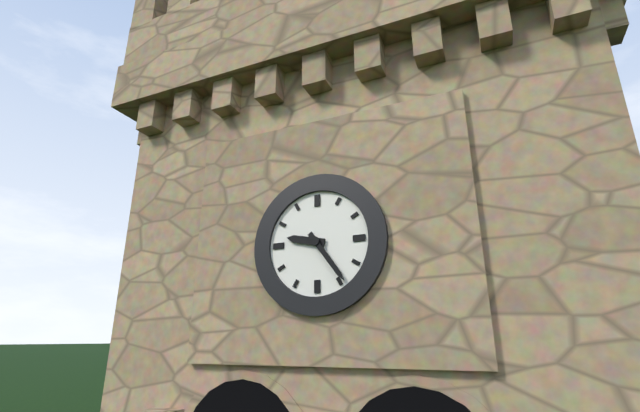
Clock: 9,24
